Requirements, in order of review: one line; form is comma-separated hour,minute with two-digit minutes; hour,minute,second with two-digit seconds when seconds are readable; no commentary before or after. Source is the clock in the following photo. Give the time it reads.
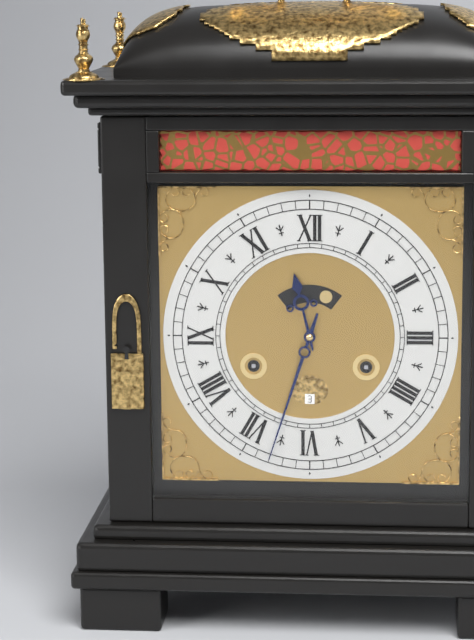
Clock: 11,33
